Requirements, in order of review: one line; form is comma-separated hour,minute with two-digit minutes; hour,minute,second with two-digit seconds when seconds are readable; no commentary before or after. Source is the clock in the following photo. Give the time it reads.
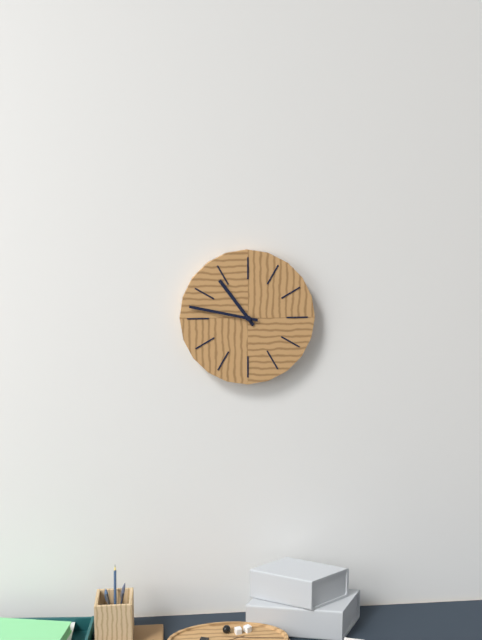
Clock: 10,47
